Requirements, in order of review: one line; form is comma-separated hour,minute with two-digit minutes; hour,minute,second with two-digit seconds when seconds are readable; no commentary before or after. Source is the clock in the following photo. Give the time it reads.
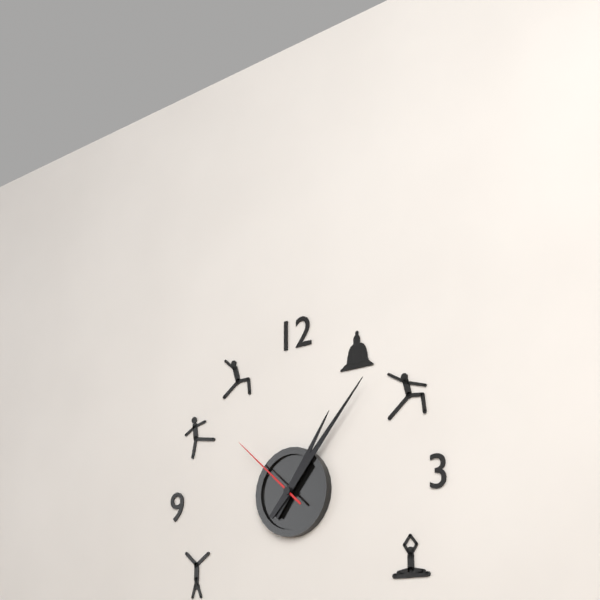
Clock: 1,07,52
